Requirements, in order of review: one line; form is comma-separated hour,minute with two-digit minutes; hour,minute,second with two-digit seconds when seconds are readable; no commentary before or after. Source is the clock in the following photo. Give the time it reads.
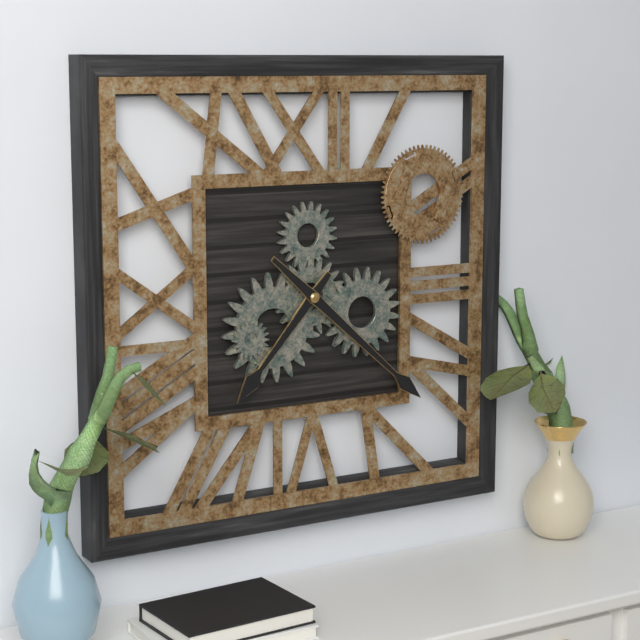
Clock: 7,22
